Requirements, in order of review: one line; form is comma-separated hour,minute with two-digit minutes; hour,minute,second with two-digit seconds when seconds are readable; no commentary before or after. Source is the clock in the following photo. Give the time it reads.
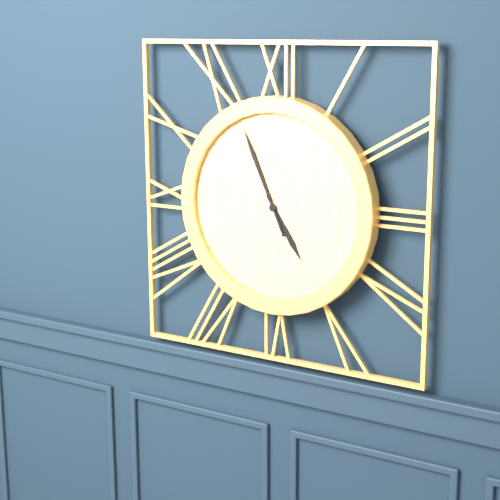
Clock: 4,56
